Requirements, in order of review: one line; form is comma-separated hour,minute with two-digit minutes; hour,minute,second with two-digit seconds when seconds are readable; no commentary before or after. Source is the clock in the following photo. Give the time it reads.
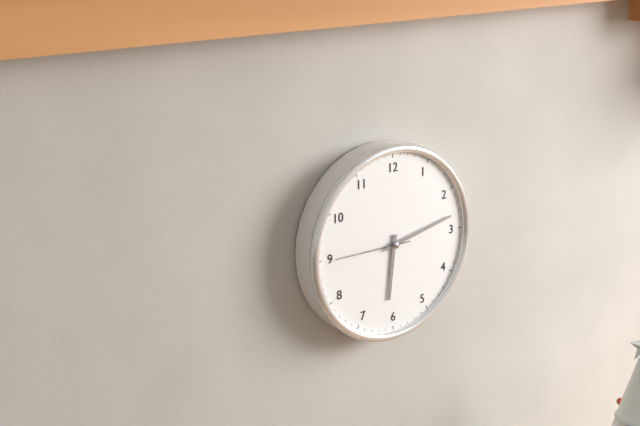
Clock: 6,13,45
